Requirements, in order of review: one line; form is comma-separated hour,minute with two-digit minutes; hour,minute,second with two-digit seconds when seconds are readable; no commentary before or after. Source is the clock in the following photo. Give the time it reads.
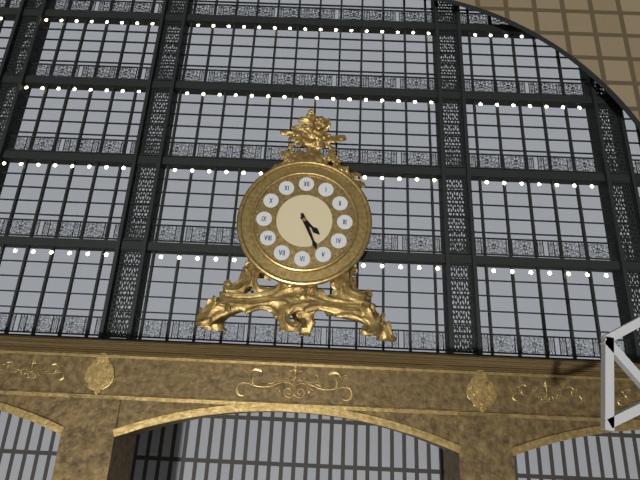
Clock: 4,26
